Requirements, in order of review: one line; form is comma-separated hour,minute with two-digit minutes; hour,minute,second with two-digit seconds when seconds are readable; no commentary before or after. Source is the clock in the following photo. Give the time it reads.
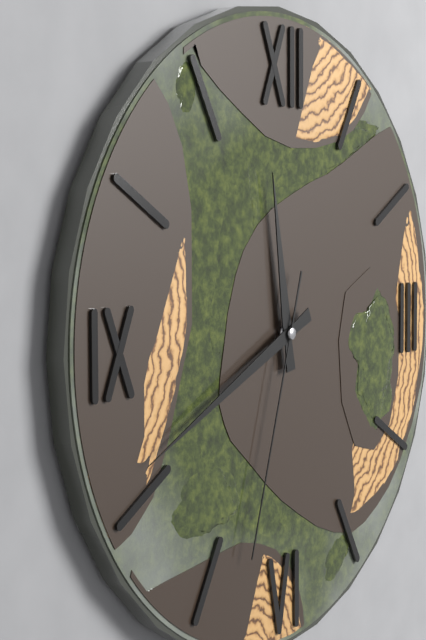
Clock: 11,41,33
